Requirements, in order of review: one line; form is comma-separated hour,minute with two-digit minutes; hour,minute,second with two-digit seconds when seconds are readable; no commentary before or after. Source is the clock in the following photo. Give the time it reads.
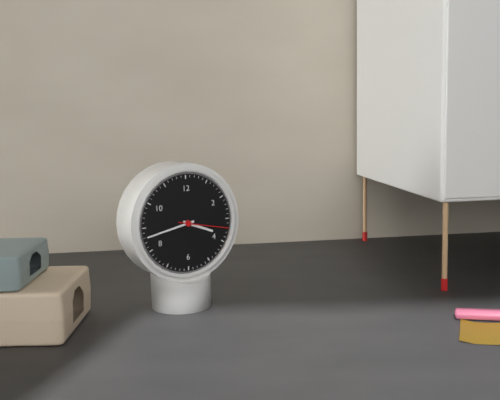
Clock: 3,43,17
